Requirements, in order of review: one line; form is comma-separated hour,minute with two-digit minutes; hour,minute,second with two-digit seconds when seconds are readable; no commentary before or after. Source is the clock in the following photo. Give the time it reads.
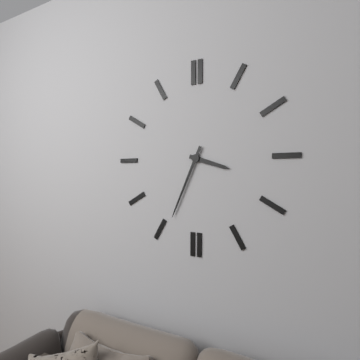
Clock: 3,34
